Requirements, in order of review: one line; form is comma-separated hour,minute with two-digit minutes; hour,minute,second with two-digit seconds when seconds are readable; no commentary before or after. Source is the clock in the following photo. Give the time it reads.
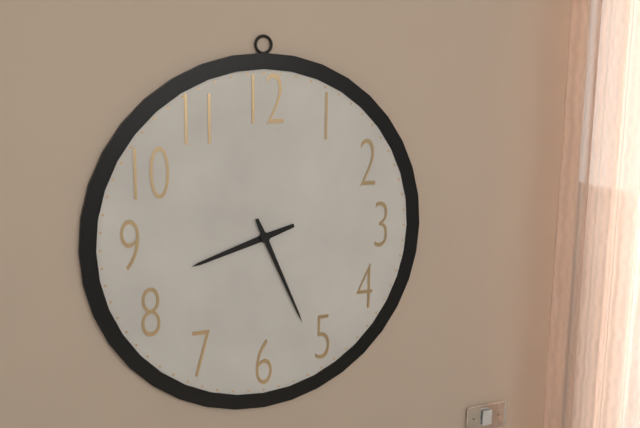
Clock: 8,26
